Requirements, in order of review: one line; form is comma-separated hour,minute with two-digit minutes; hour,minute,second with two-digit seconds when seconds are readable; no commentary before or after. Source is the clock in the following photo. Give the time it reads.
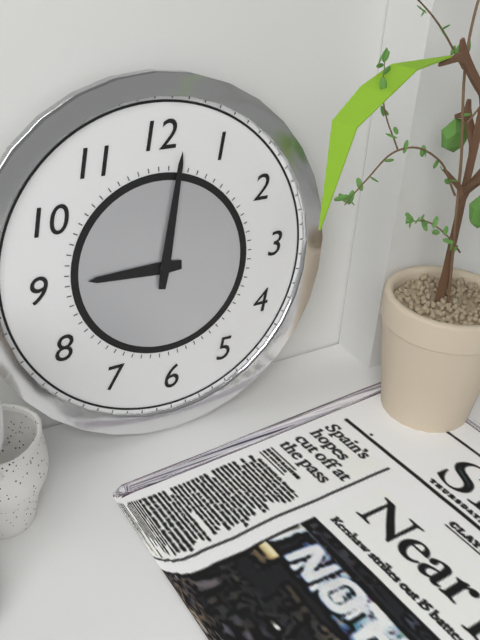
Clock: 9,02
